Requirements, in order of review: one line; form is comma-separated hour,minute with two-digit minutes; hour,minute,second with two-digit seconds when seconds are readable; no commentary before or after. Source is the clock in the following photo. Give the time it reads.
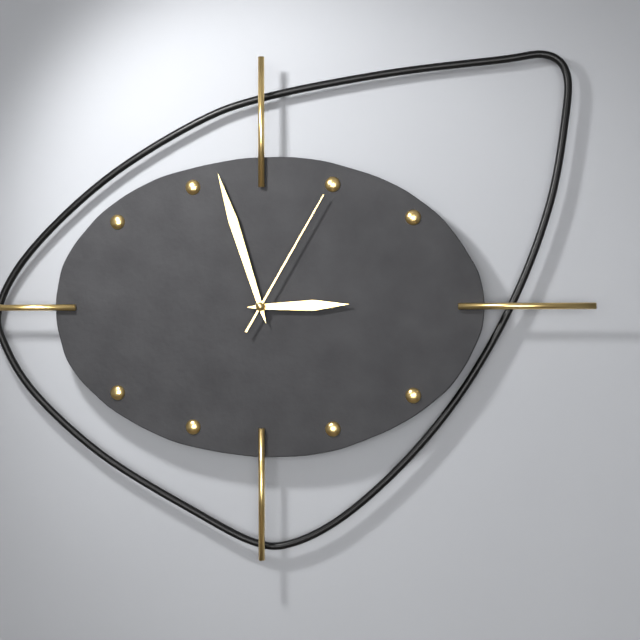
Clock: 2,57,05
